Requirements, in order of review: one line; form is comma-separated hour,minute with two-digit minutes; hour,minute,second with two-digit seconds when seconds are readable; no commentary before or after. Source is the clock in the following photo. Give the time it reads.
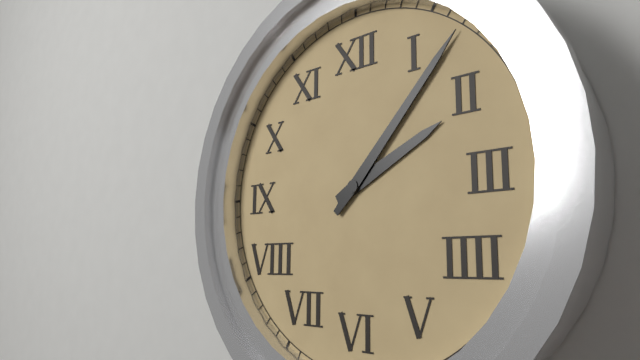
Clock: 2,07
